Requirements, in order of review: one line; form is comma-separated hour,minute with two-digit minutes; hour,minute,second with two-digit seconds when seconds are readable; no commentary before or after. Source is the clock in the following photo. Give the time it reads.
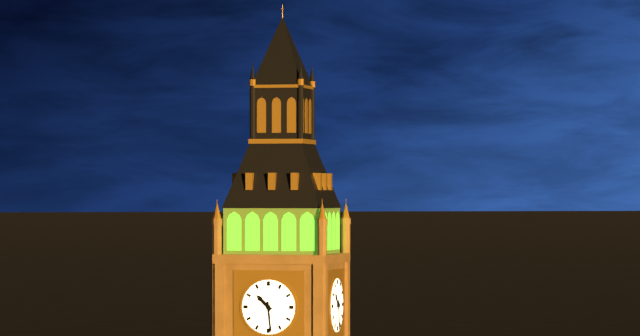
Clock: 10,29
